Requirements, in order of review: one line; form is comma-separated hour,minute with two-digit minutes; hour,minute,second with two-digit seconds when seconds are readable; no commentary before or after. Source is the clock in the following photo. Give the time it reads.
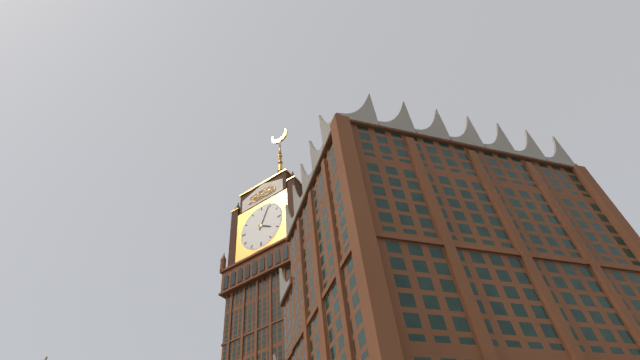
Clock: 4,04
